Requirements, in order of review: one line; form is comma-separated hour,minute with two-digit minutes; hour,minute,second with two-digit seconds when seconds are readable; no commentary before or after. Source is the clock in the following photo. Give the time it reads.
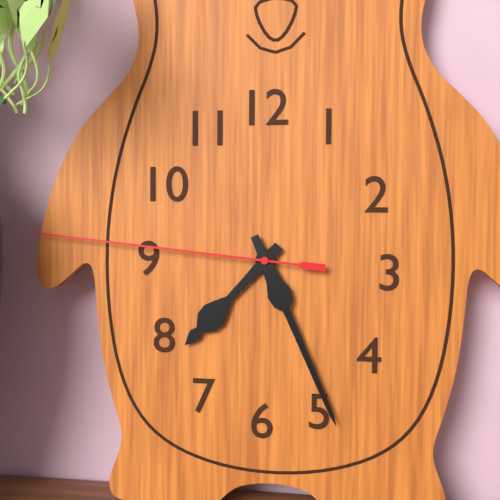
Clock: 7,26,46
